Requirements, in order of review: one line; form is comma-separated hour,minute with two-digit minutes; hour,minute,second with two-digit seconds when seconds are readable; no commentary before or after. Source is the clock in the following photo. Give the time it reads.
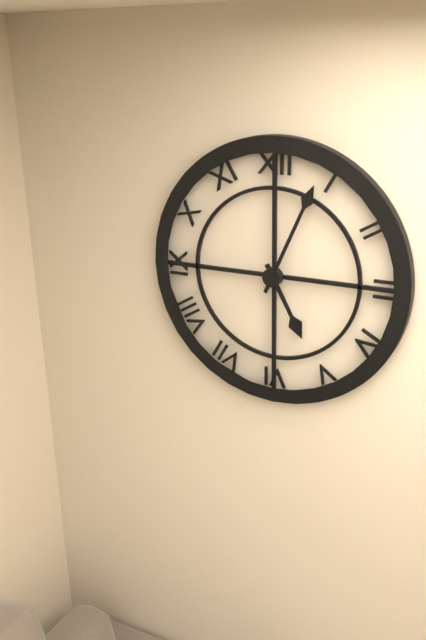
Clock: 5,04
